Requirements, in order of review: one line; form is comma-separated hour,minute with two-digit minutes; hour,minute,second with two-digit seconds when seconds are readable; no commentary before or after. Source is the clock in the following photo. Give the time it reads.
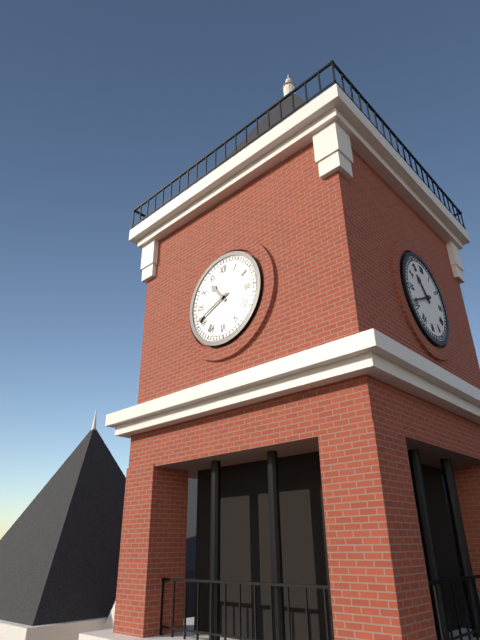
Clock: 10,41
